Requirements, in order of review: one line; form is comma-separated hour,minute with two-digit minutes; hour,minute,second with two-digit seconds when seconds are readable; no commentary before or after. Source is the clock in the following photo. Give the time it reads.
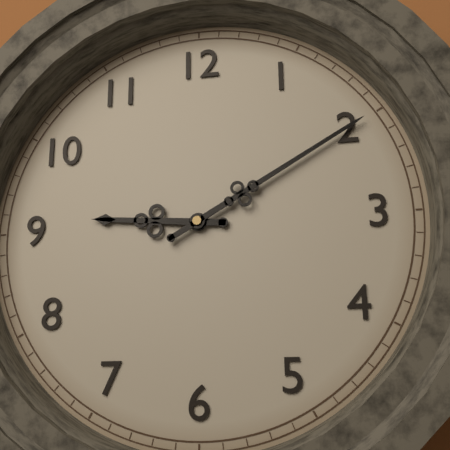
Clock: 9,10
